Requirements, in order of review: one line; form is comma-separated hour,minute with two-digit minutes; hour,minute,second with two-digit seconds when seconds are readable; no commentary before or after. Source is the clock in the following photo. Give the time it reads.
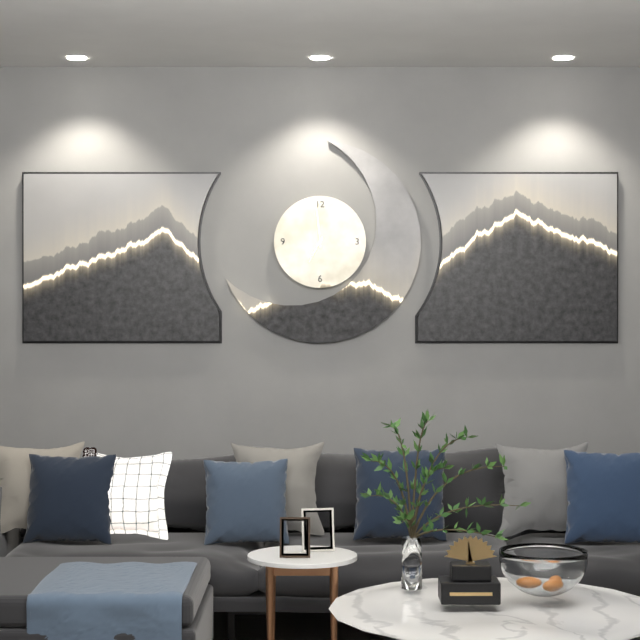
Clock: 6,59
